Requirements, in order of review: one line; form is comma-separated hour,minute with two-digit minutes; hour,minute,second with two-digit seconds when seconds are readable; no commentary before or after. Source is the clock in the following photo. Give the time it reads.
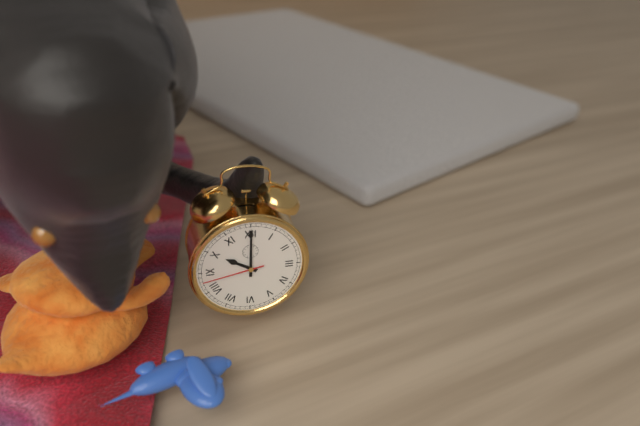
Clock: 10,00,43
